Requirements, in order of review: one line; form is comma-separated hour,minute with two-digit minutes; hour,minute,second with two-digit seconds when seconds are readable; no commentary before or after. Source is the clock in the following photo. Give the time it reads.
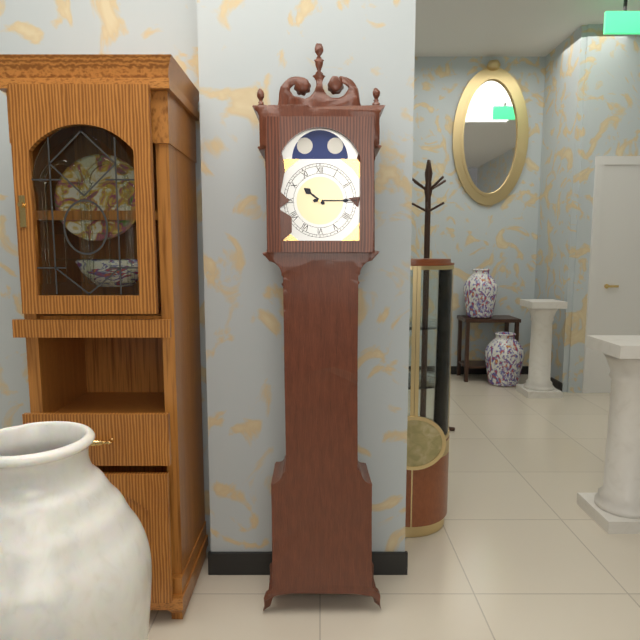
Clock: 10,15
